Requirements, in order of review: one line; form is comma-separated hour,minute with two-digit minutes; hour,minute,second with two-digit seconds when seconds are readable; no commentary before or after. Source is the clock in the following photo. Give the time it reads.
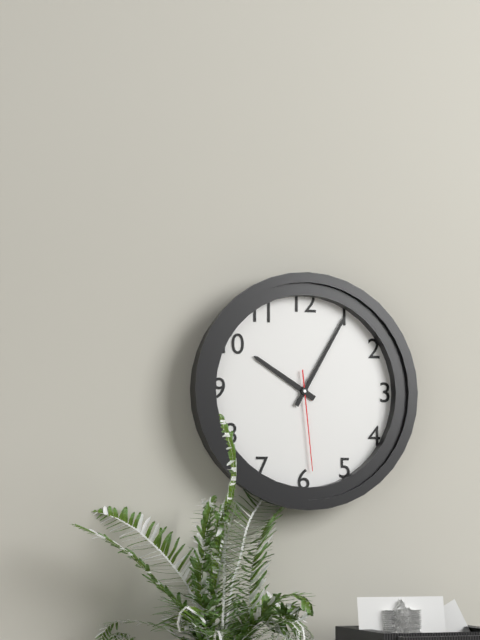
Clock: 10,05,29
